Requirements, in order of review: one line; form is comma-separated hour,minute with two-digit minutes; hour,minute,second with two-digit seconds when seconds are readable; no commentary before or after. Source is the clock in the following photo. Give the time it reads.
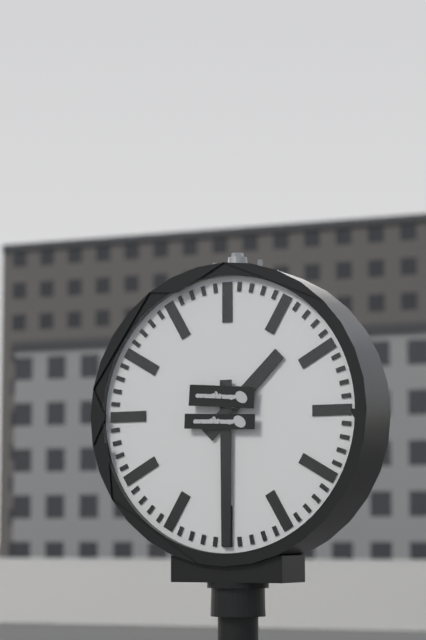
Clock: 1,30
